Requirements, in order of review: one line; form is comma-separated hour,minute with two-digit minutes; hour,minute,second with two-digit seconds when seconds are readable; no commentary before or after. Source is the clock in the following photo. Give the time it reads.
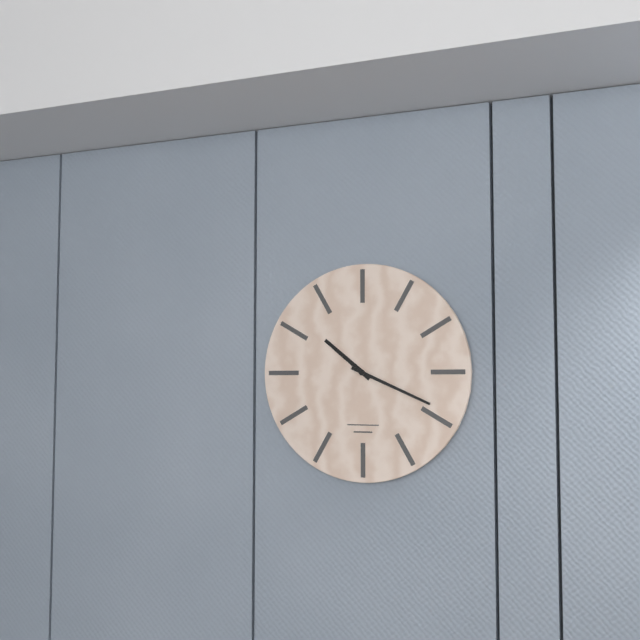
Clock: 10,19
